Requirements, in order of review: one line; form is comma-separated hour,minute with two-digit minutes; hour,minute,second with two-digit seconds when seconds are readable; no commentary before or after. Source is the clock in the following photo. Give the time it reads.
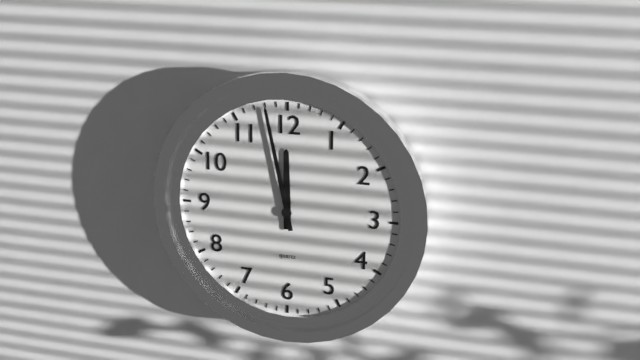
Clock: 11,58
